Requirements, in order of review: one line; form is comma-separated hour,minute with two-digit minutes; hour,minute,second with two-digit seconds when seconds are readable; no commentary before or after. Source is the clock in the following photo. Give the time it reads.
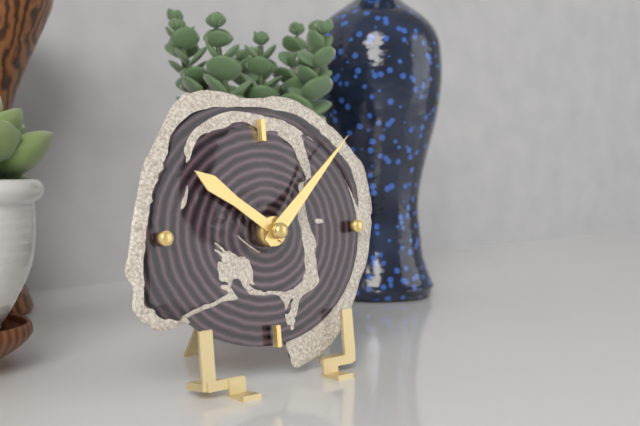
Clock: 10,08
